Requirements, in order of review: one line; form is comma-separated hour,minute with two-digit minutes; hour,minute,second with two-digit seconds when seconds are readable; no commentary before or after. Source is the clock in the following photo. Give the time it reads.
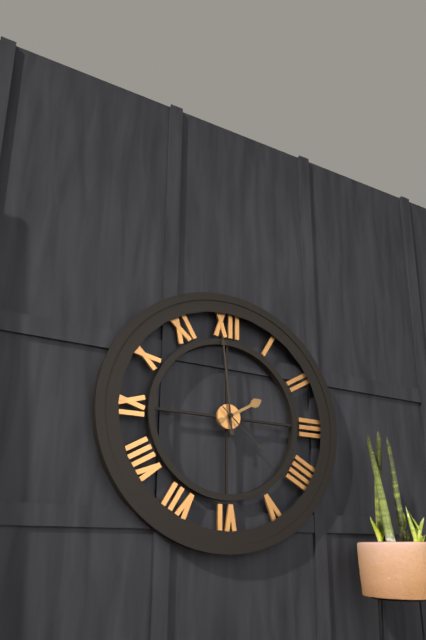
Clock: 1,59,22
